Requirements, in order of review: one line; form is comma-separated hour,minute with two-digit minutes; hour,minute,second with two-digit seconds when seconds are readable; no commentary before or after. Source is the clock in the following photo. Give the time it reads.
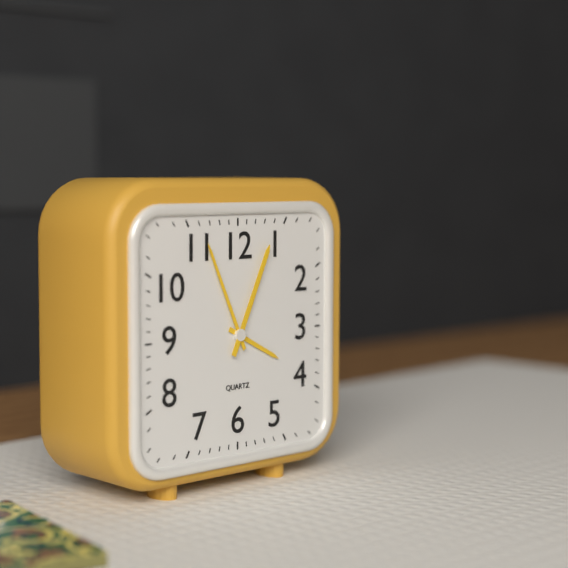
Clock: 3,56,04
